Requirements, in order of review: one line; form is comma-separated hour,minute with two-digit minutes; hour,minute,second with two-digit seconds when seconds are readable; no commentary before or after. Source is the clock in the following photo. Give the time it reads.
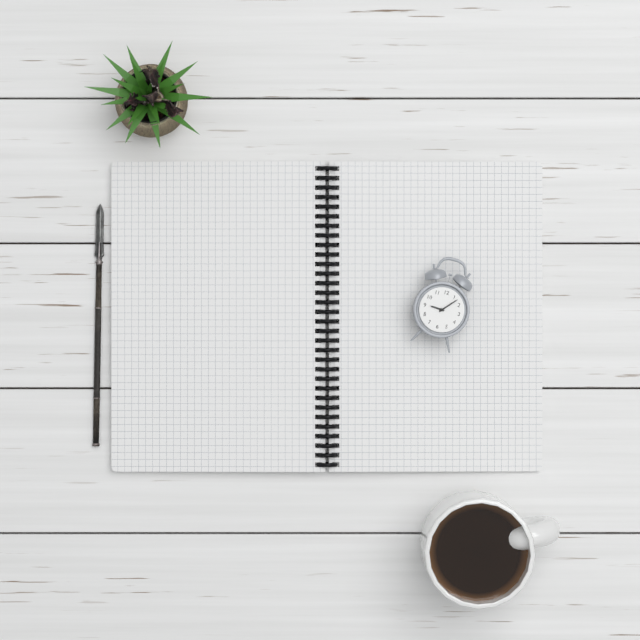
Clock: 9,07
